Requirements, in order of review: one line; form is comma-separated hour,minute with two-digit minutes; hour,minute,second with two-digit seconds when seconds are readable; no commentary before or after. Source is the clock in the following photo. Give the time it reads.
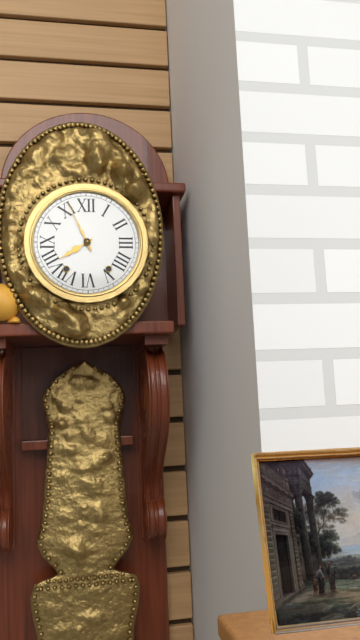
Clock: 7,56
